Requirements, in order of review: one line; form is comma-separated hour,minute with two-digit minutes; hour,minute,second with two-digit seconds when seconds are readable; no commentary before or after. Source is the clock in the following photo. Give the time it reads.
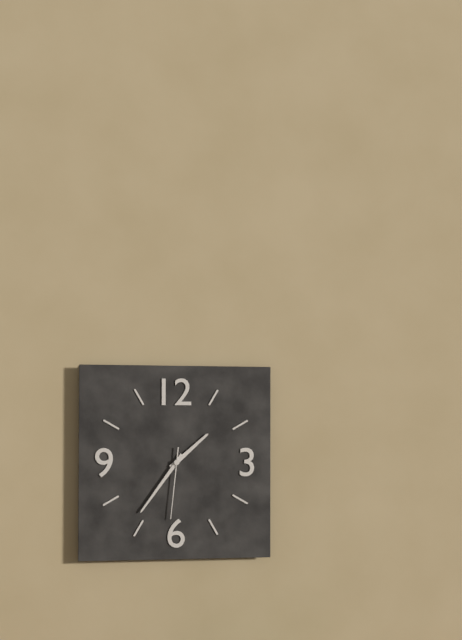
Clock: 1,36,31
